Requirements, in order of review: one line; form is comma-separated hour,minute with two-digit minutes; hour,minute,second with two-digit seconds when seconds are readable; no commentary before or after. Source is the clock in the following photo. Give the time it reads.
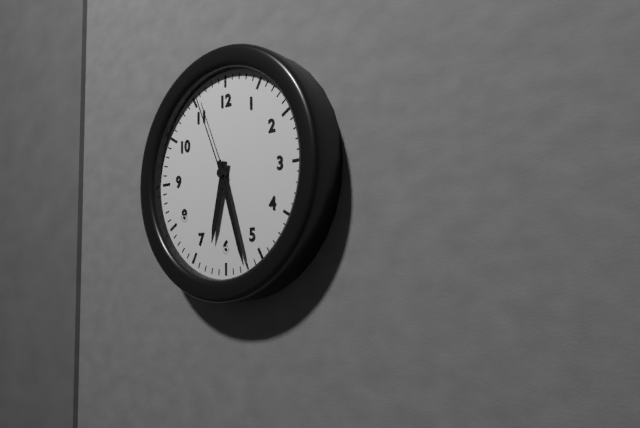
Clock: 6,27,56
